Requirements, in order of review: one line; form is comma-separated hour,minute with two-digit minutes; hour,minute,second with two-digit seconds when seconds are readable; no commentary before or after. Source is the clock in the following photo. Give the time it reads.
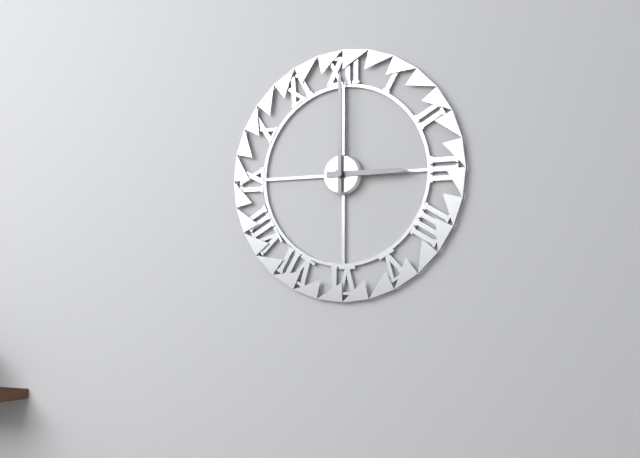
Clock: 3,00
